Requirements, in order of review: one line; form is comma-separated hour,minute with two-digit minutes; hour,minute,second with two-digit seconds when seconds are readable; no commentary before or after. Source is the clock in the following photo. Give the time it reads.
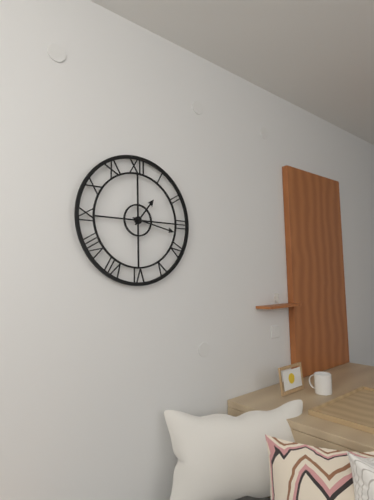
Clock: 1,17
